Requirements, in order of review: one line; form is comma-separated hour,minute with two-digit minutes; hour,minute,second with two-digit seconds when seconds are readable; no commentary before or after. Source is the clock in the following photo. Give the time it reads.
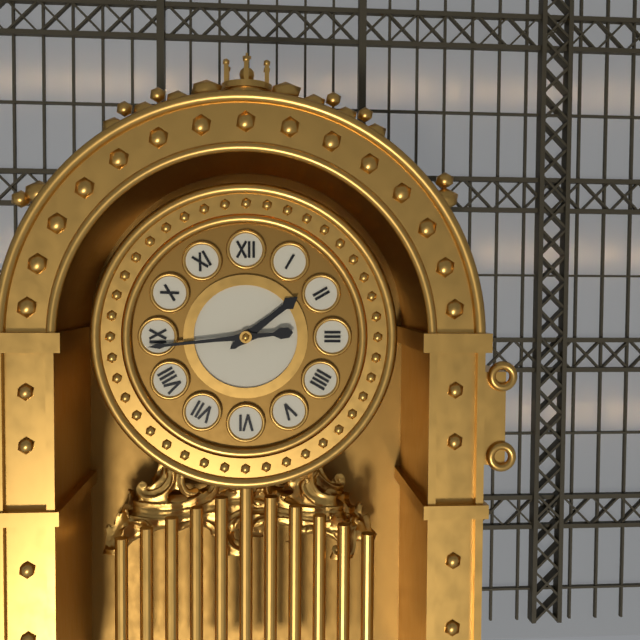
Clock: 1,44
